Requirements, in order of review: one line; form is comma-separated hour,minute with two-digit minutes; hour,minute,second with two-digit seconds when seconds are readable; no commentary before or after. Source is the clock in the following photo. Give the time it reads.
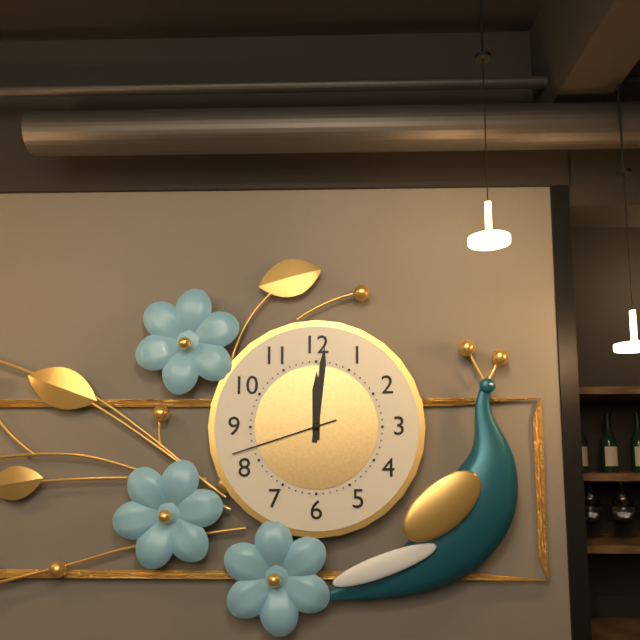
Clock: 12,01,42
